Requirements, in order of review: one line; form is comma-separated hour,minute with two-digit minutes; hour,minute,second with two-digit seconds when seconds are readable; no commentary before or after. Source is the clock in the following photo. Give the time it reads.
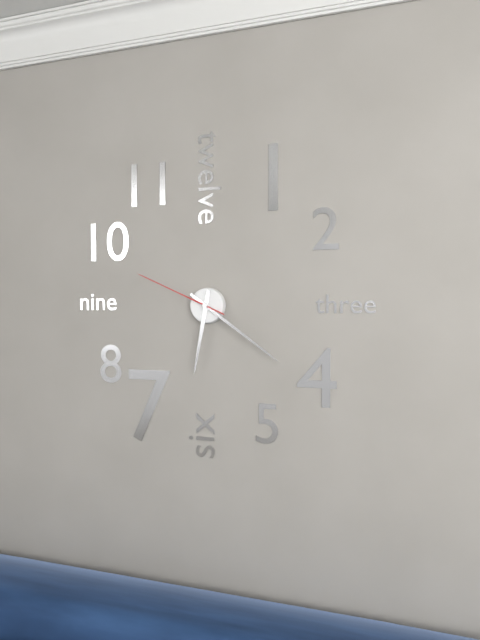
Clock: 6,21,49
